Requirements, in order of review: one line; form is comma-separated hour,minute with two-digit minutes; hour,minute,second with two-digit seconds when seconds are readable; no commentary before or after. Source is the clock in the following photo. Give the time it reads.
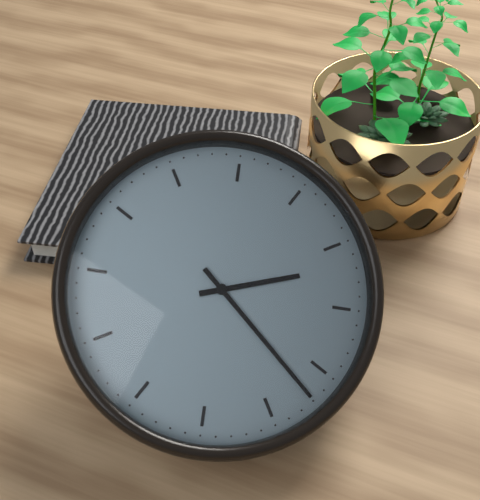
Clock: 2,22
